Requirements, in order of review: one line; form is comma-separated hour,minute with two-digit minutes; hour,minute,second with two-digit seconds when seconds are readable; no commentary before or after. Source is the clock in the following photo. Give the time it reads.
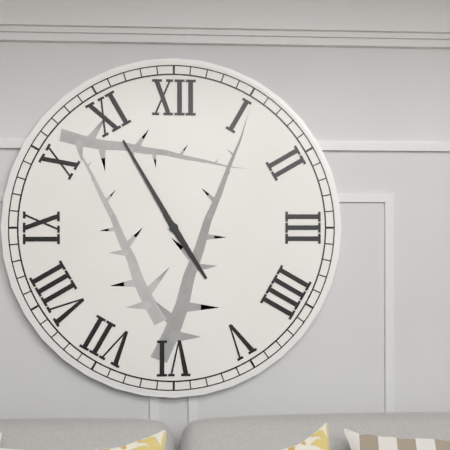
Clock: 4,55
